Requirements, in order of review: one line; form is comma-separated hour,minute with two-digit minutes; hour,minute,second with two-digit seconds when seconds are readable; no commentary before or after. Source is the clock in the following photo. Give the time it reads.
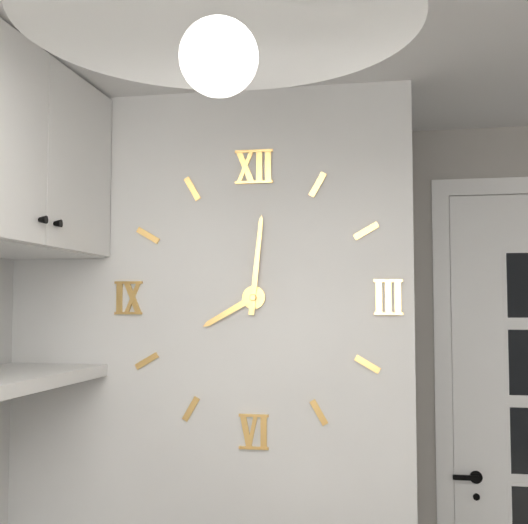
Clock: 8,01
